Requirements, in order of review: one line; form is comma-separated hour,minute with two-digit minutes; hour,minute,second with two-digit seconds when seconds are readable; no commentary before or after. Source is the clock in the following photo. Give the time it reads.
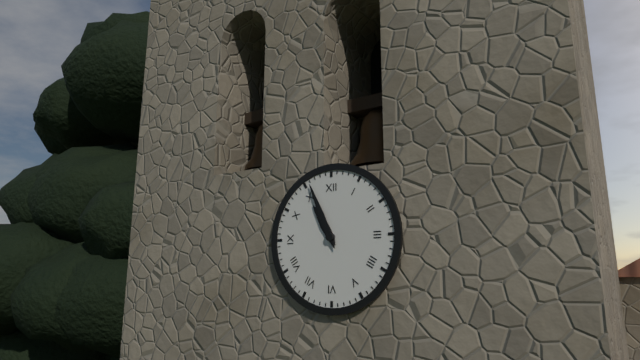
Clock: 10,56
